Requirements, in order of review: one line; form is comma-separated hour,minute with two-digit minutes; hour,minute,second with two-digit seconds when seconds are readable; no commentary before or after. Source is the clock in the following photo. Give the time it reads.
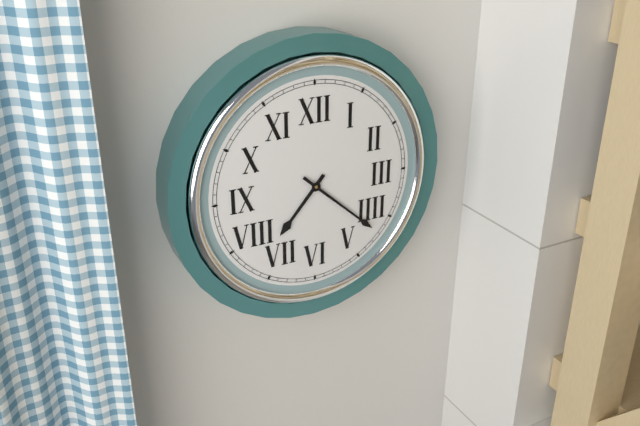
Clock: 7,22
